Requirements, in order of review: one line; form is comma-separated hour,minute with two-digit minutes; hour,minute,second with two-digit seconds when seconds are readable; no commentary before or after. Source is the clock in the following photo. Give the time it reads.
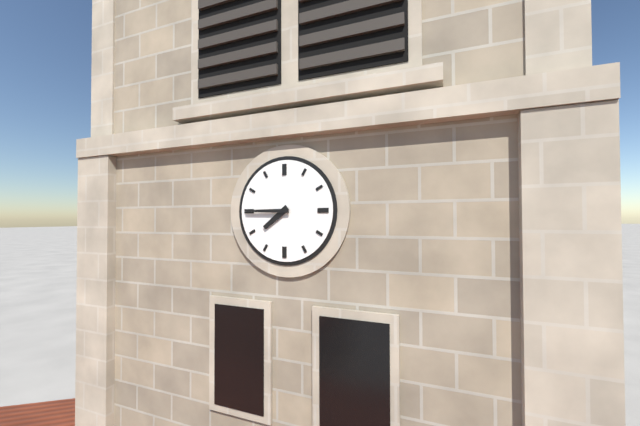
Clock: 7,45
